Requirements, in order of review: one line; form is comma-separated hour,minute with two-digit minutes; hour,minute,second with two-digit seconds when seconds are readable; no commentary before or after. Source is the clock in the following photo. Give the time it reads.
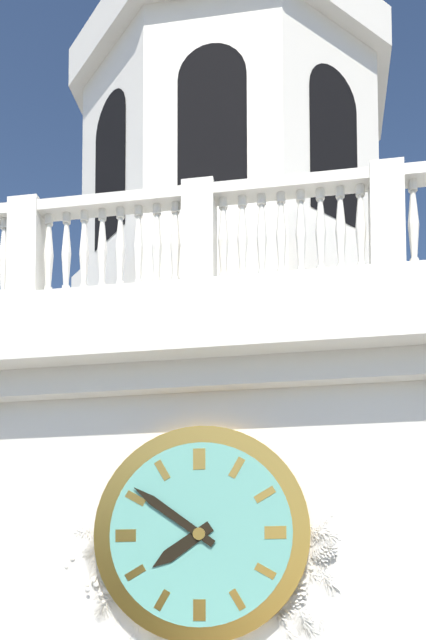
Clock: 7,51
